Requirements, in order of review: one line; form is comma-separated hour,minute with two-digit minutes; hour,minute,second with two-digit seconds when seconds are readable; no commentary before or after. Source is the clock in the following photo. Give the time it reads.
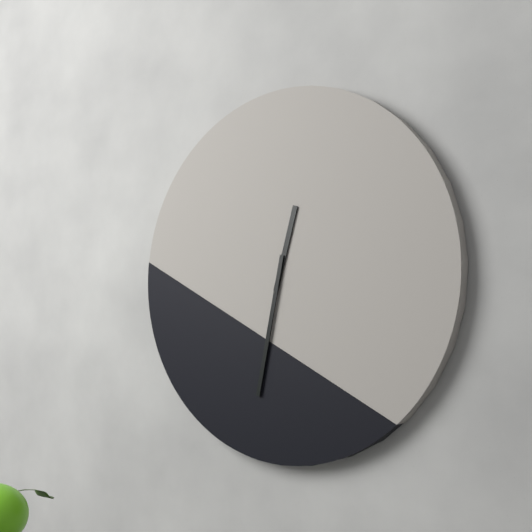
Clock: 12,32
